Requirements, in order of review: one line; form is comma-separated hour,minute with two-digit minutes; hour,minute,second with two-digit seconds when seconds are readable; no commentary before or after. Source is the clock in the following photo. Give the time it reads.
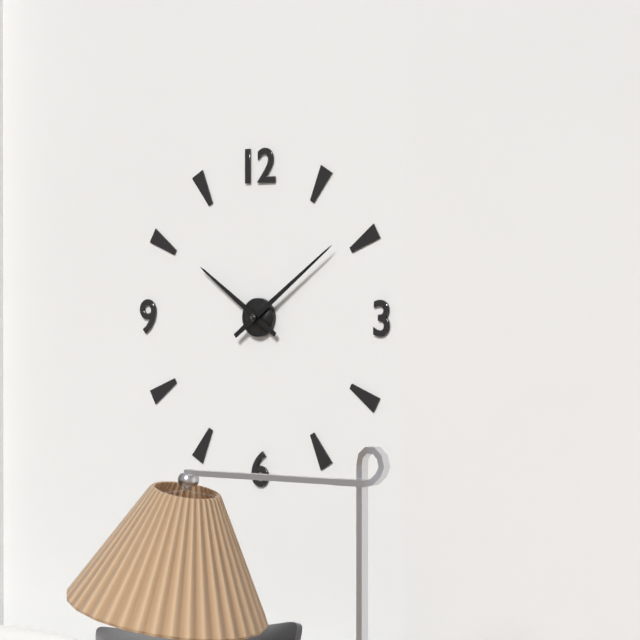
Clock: 10,09
